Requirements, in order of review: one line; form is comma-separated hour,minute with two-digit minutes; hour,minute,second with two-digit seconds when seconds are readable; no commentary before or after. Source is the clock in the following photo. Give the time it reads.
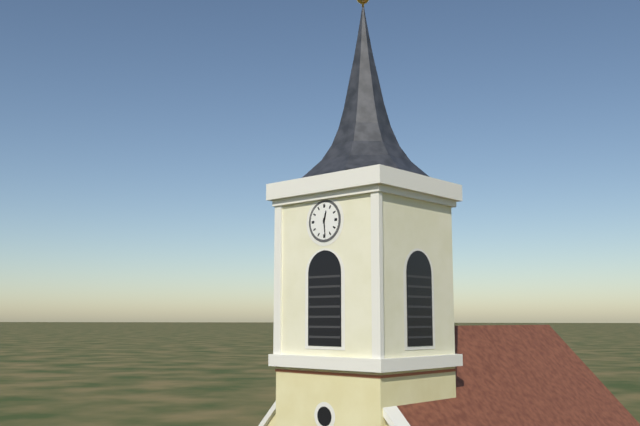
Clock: 12,29
